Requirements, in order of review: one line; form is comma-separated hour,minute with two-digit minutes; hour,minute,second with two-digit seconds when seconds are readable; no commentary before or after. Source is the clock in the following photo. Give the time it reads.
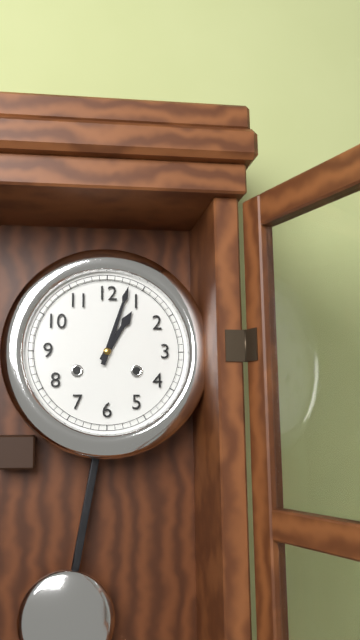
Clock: 1,03
